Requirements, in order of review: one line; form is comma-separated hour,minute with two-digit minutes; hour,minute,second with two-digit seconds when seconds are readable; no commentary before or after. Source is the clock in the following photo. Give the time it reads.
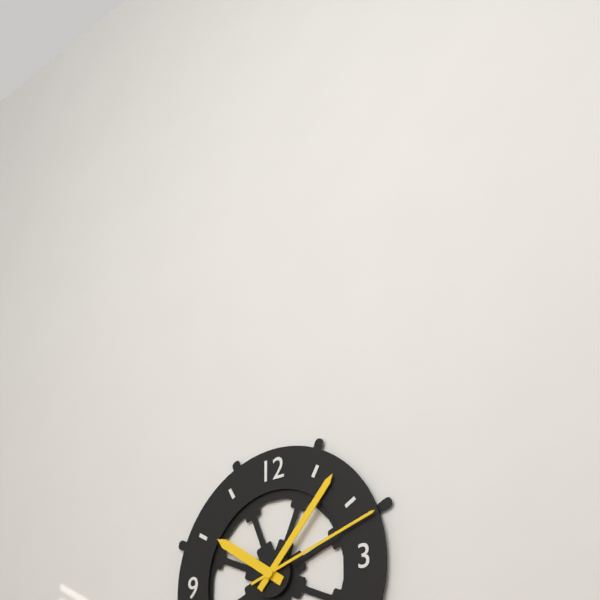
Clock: 10,07,12
